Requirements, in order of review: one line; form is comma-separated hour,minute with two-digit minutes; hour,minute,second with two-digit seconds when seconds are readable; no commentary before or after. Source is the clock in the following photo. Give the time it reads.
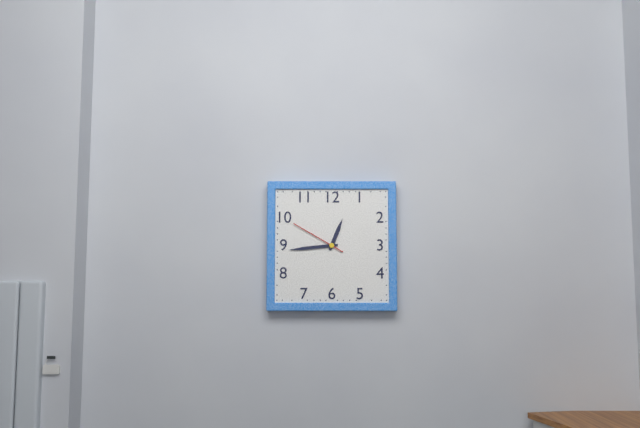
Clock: 12,44,50
